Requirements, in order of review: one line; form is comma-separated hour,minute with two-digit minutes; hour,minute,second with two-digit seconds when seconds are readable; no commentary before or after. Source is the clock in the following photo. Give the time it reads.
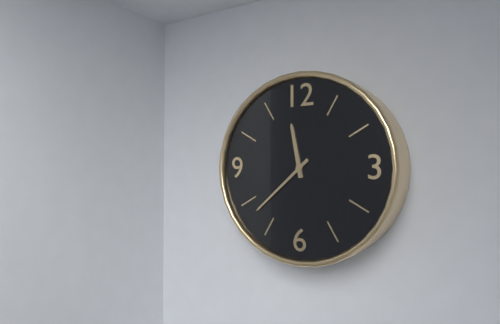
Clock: 11,38
